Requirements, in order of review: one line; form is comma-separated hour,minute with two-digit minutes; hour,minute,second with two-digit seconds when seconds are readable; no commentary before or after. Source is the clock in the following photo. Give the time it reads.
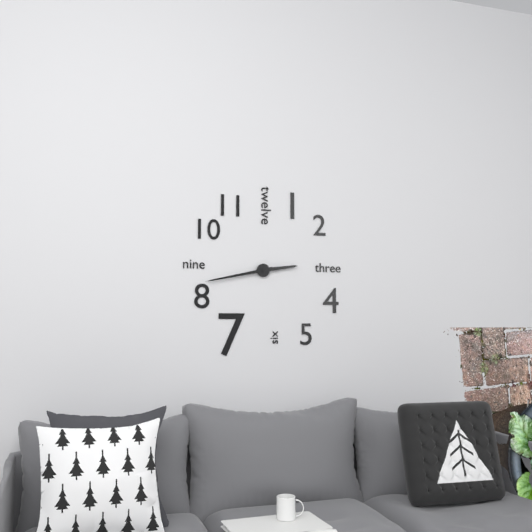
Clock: 2,43
